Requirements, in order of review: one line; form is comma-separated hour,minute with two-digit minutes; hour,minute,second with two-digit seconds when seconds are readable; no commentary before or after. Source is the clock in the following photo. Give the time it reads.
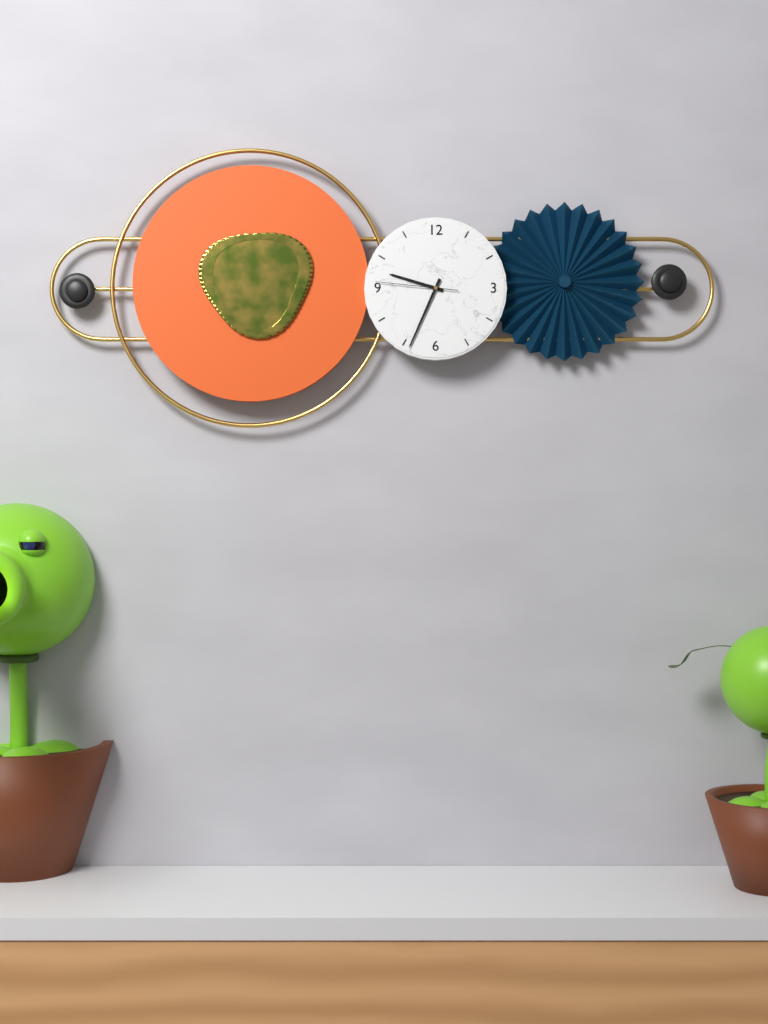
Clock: 9,34,46
